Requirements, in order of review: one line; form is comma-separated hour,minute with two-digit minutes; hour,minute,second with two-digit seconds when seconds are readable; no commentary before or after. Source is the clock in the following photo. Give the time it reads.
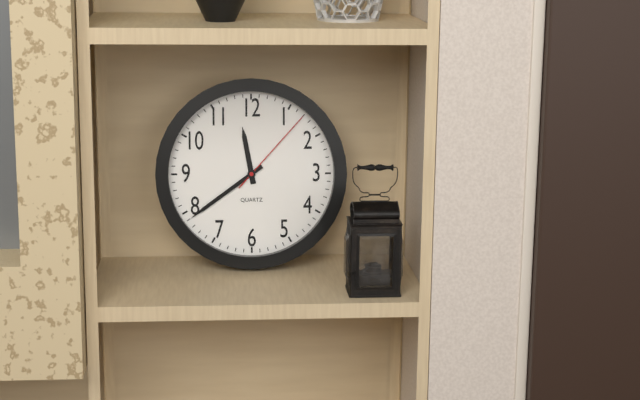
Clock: 11,39,07
